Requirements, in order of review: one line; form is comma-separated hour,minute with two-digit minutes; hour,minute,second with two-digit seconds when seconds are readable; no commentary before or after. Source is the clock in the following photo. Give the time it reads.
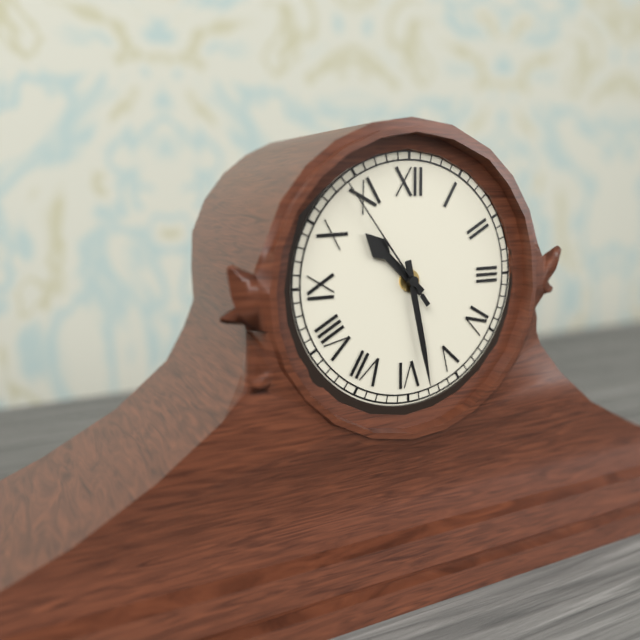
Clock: 10,28,54
